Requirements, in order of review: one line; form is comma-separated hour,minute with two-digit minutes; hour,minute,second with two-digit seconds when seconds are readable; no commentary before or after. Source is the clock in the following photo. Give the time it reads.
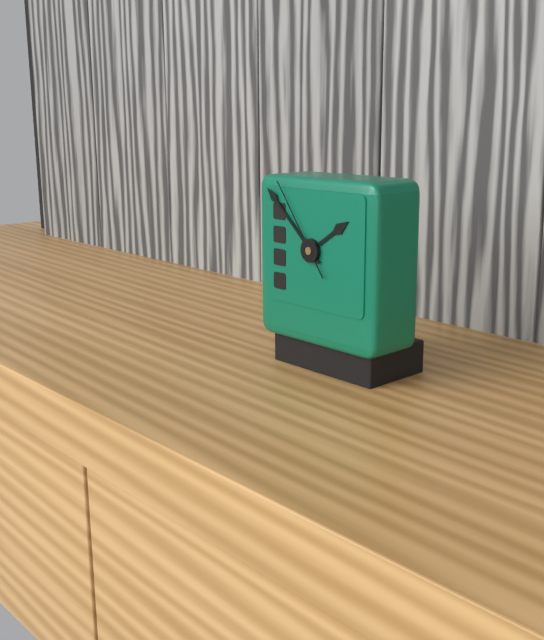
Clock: 1,52,54
